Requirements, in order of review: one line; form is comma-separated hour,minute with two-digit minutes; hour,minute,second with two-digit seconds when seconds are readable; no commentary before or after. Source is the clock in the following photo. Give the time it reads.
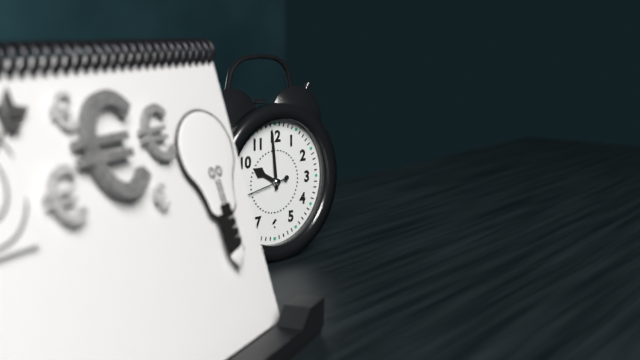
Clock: 9,59
